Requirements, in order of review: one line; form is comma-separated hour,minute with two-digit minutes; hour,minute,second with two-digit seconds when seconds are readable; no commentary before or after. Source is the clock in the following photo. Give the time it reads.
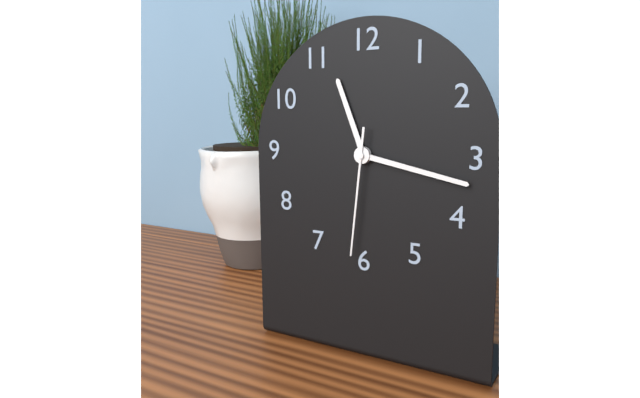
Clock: 11,17,31
